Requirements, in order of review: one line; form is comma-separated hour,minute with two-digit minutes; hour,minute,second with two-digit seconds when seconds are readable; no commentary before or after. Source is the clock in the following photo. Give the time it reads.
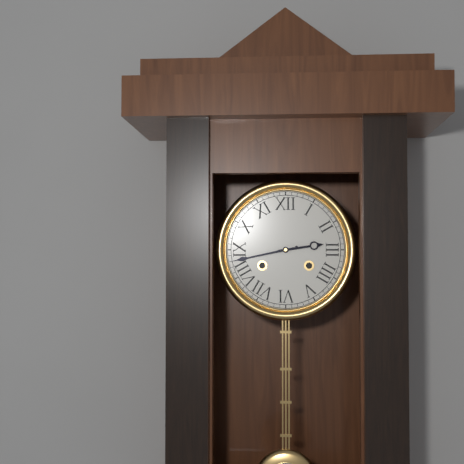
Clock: 2,43
